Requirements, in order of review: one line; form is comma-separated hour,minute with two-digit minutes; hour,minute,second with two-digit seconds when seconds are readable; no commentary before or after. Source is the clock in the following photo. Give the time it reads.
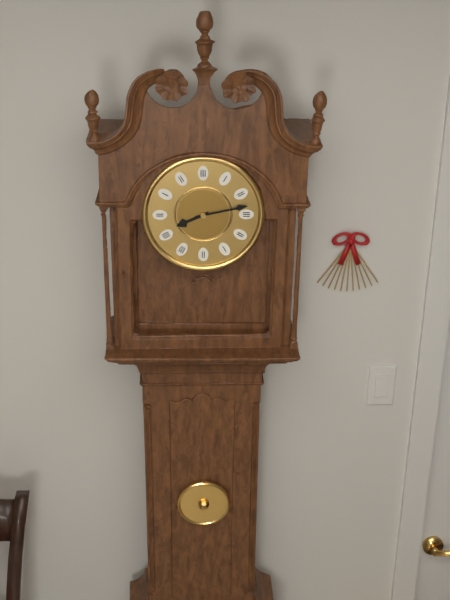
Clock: 8,13
